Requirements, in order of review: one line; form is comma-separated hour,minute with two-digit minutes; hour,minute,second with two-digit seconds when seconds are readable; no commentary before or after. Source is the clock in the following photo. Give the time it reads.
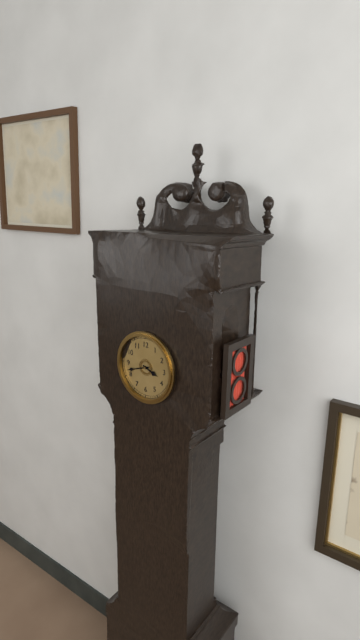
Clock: 3,42
